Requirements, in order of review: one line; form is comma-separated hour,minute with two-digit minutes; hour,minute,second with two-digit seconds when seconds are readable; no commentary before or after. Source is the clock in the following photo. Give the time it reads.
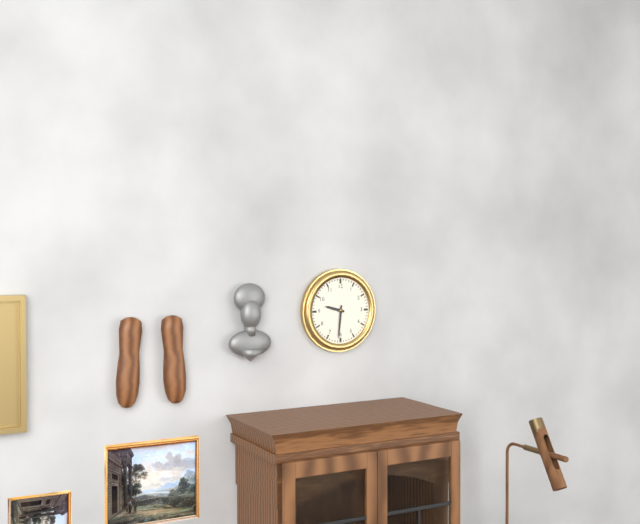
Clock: 9,31
